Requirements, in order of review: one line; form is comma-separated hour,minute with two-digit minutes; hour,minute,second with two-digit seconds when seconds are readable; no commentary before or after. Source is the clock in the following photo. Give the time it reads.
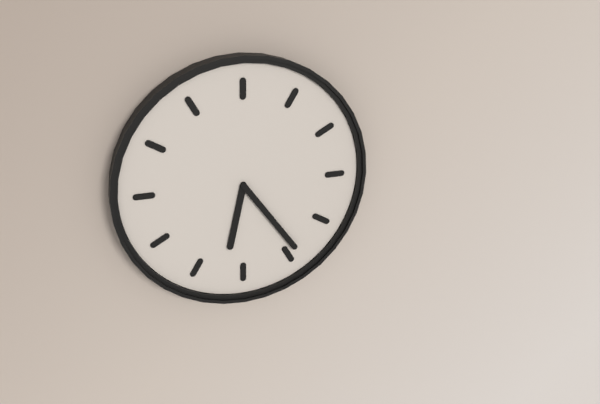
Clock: 6,24
